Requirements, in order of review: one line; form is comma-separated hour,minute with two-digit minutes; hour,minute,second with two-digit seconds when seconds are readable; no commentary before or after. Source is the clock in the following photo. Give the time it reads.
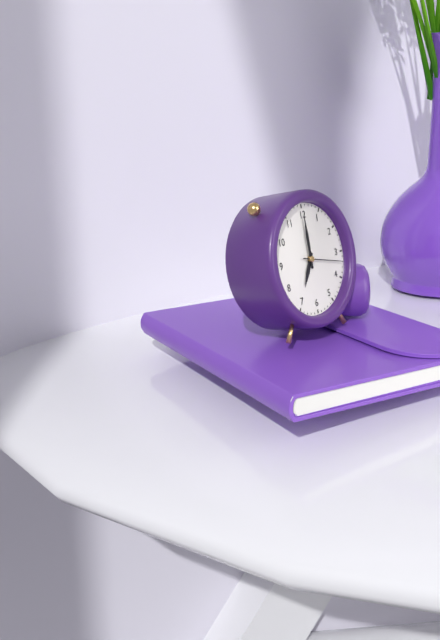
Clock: 7,00
